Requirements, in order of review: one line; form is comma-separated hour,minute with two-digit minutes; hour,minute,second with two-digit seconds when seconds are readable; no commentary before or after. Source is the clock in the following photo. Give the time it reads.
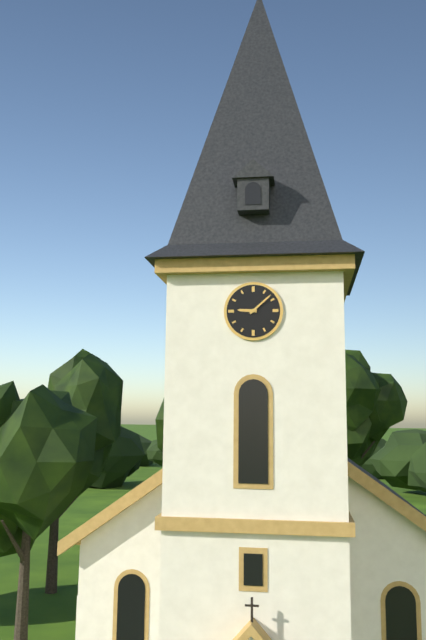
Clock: 9,08
